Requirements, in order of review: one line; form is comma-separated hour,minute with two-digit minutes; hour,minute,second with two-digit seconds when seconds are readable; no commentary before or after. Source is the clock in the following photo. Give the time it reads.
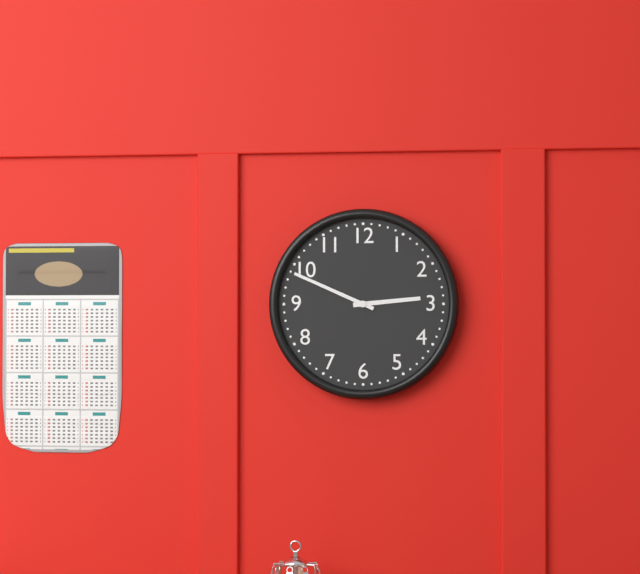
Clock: 2,49
